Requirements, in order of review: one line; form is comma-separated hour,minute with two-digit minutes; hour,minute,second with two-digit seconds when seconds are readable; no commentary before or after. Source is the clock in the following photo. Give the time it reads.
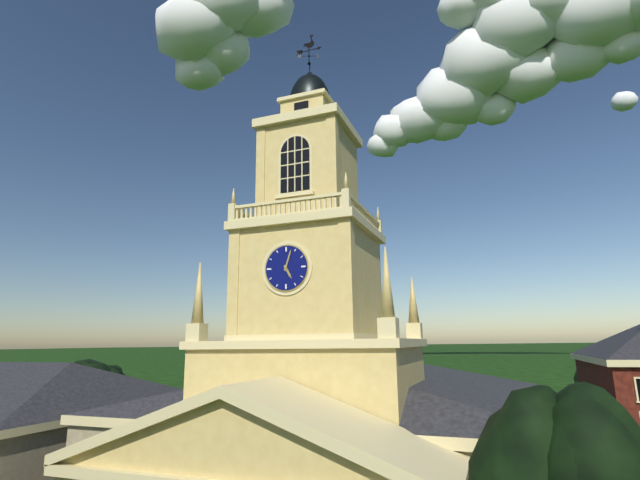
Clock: 5,03
